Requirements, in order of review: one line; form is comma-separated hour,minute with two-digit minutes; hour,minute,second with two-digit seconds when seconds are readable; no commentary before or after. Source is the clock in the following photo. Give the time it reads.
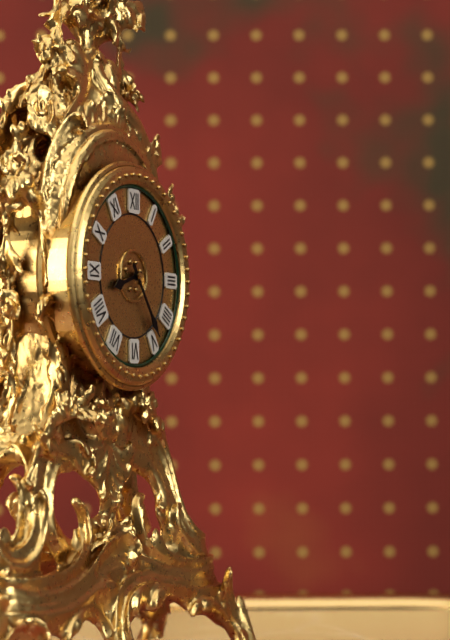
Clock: 8,24
